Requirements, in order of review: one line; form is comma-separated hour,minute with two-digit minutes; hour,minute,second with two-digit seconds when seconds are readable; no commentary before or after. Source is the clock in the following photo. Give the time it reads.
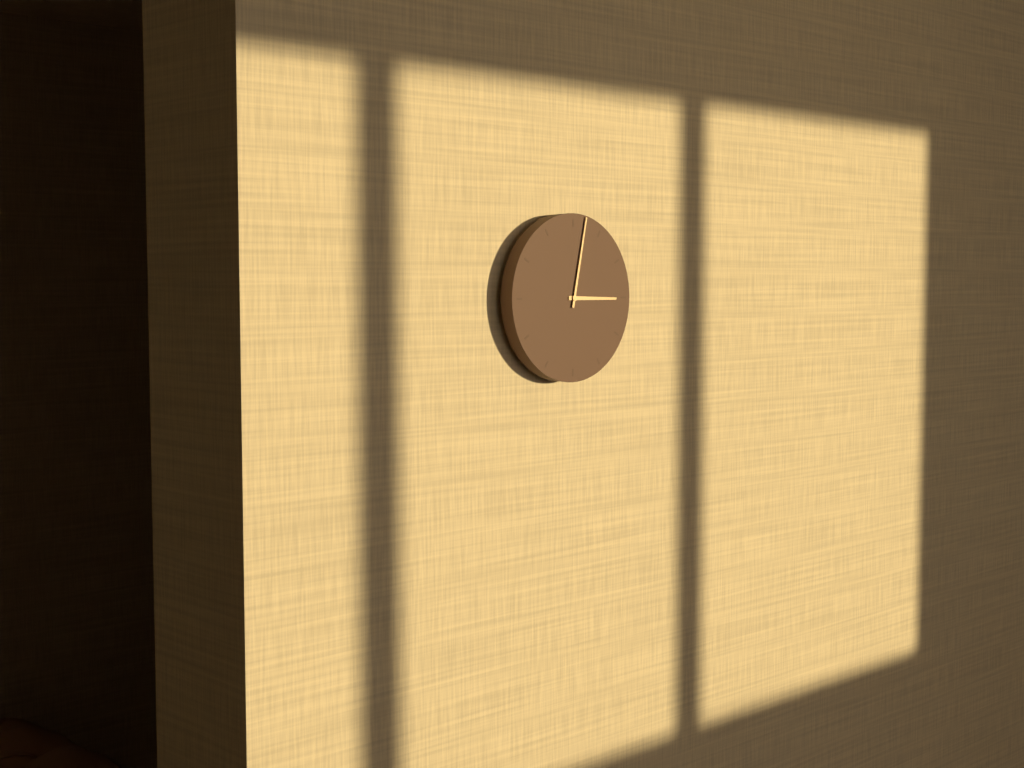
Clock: 3,02
